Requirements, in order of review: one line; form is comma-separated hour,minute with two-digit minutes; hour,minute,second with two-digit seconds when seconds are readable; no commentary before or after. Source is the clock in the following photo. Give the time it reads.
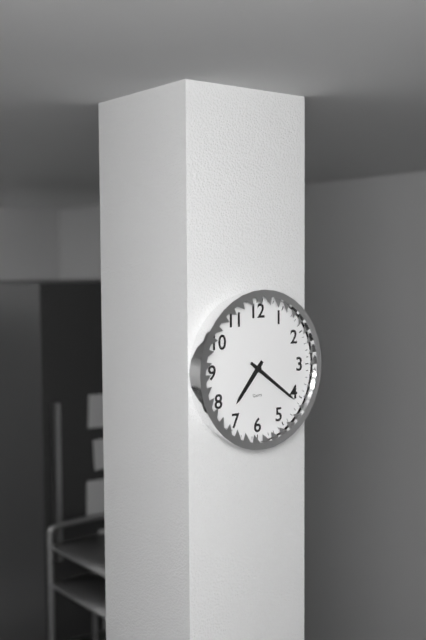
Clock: 7,21
